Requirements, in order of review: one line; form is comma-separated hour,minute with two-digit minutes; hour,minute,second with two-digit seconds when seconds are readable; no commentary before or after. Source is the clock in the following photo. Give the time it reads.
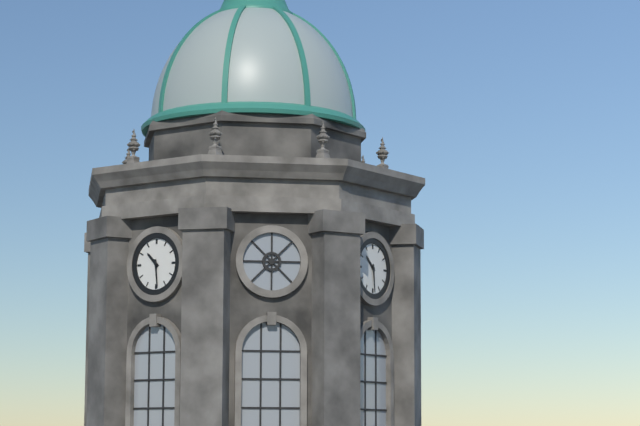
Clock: 10,29
